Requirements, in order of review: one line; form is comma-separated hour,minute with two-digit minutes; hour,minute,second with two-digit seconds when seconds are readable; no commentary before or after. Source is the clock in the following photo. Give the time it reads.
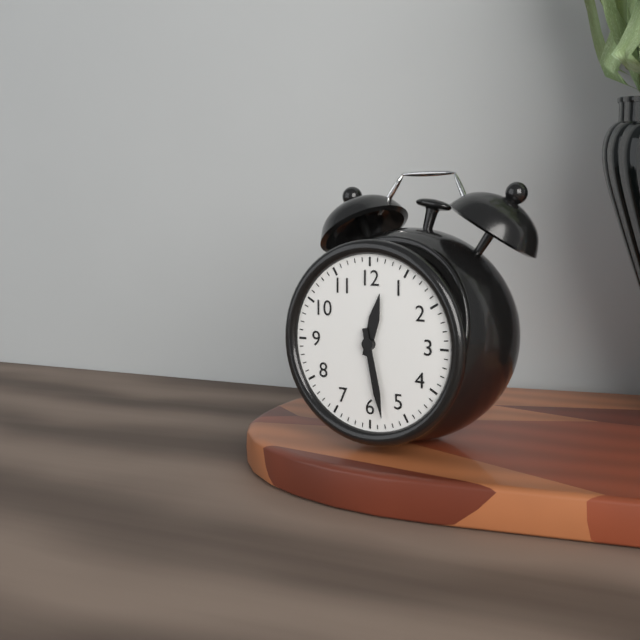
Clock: 12,28
